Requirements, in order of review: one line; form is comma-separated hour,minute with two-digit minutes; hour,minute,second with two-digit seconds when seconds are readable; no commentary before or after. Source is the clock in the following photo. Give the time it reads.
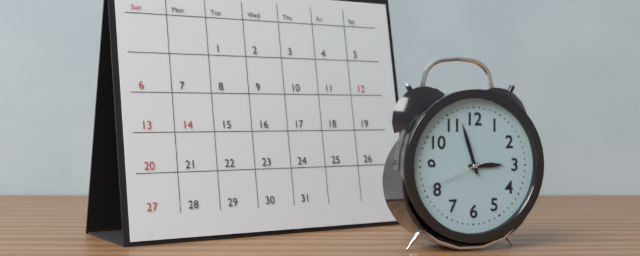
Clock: 2,57,42
